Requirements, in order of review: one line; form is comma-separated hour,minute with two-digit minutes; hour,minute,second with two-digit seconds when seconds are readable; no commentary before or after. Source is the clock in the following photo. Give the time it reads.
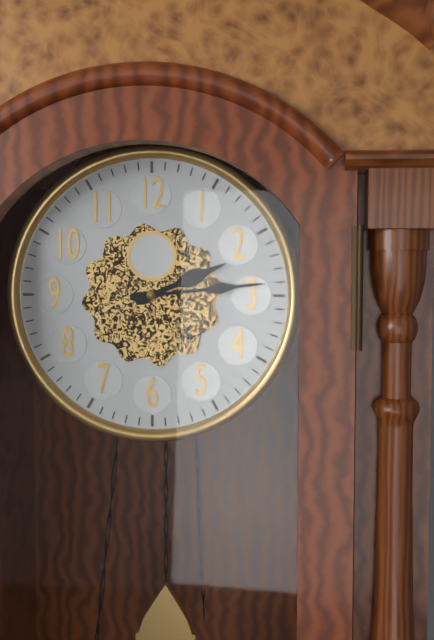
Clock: 2,14
